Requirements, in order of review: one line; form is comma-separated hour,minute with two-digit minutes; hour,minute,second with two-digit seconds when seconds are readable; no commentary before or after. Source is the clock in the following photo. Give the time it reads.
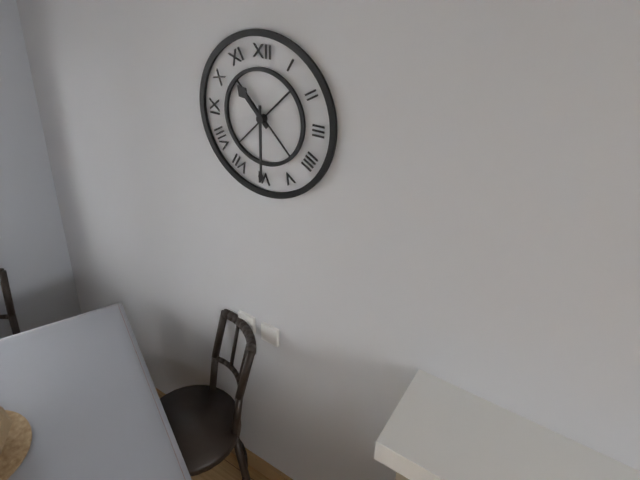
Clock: 10,30
